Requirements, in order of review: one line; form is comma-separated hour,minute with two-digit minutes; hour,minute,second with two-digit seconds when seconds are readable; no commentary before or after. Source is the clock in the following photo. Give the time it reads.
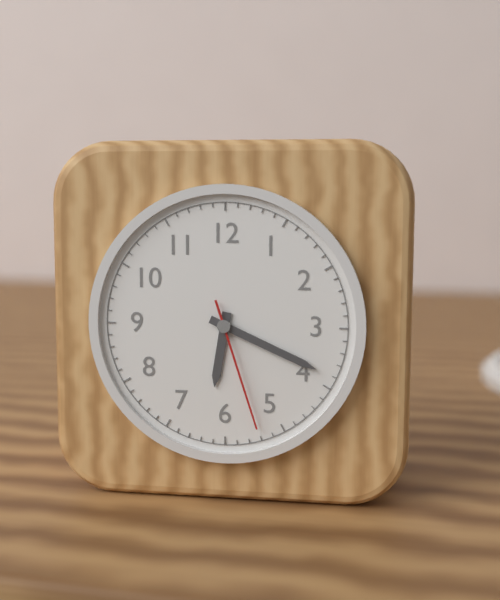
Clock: 6,19,27
